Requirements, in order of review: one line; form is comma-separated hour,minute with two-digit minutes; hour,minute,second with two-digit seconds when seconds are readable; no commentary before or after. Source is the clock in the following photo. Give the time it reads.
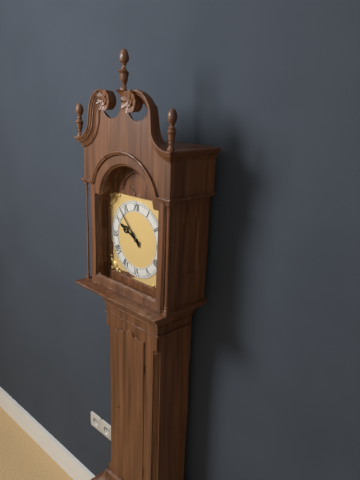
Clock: 9,53
